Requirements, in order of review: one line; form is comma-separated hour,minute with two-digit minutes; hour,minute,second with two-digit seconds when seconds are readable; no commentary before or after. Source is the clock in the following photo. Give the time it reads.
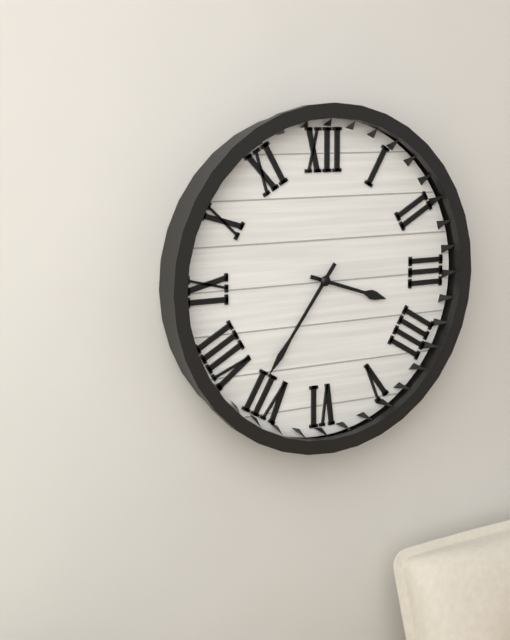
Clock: 3,36
